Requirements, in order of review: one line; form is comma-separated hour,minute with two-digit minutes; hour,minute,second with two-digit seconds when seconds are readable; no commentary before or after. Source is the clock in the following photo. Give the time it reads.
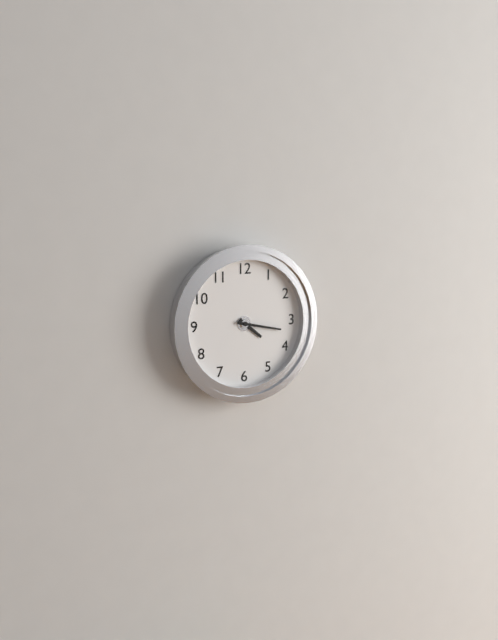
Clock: 4,17
